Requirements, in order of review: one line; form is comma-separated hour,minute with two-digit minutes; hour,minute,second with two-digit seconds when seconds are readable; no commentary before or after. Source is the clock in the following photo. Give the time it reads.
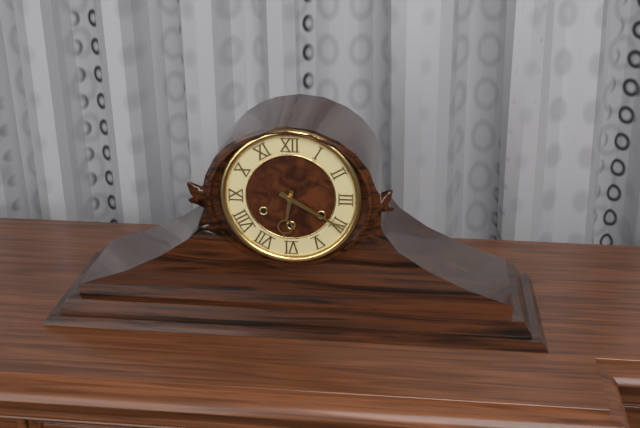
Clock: 6,20
